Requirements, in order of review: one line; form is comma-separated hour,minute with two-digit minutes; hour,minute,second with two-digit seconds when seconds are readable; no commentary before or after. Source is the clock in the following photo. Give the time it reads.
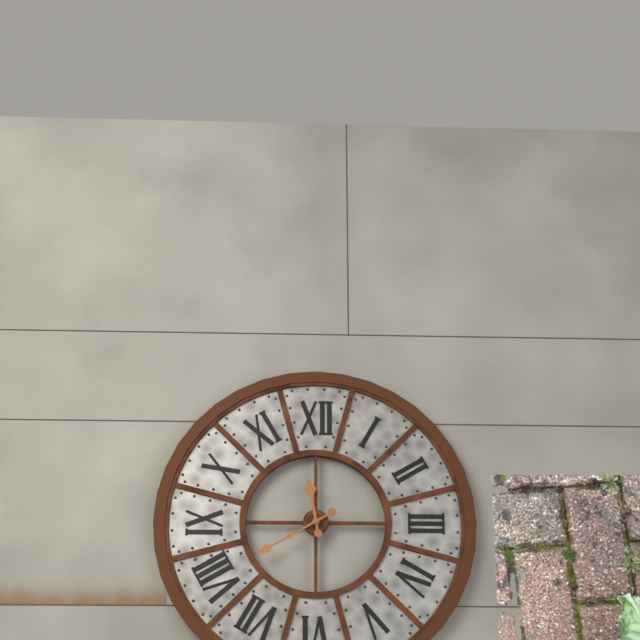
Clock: 11,40
